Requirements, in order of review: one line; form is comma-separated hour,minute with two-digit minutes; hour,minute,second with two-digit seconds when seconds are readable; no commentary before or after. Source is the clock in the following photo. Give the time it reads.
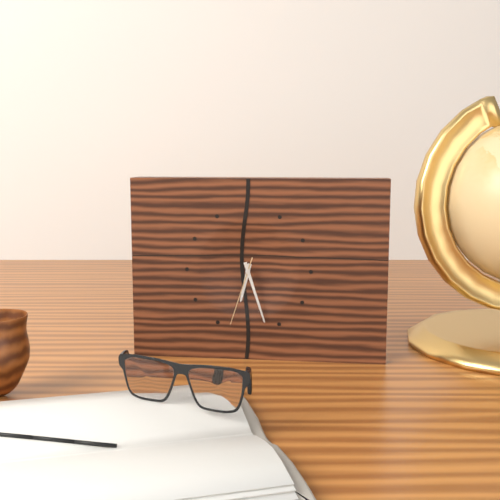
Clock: 6,27,33
